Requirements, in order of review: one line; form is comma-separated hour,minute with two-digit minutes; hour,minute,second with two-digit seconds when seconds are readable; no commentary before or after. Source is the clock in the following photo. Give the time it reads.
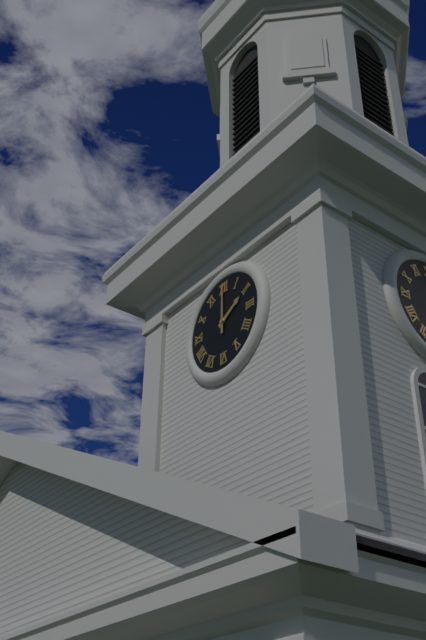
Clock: 2,00
